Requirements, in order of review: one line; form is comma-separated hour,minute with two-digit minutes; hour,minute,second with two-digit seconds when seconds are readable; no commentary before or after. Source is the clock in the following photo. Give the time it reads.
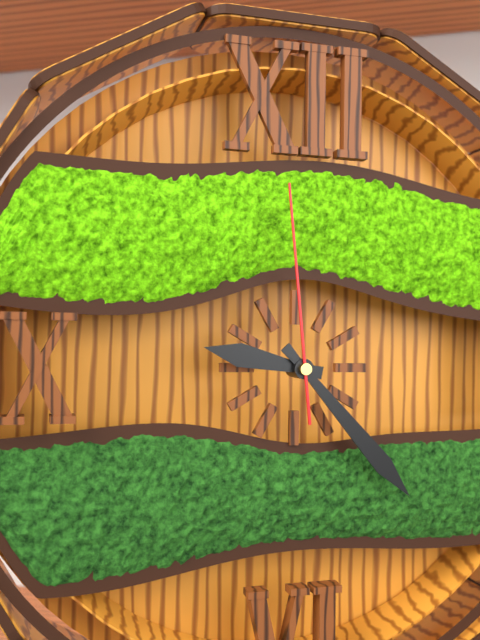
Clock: 9,23,59
